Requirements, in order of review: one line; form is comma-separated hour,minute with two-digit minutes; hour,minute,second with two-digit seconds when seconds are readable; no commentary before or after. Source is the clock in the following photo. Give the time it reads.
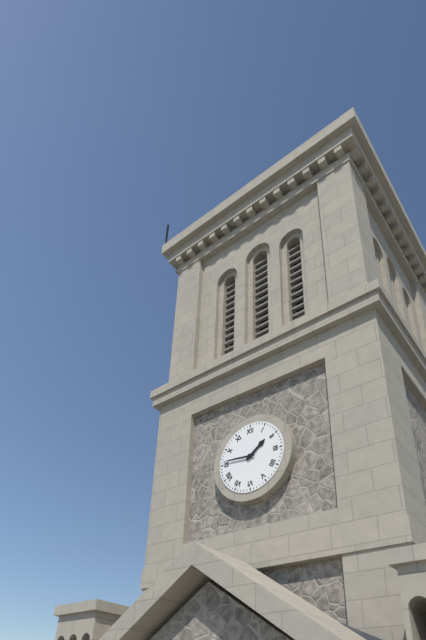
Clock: 1,46
